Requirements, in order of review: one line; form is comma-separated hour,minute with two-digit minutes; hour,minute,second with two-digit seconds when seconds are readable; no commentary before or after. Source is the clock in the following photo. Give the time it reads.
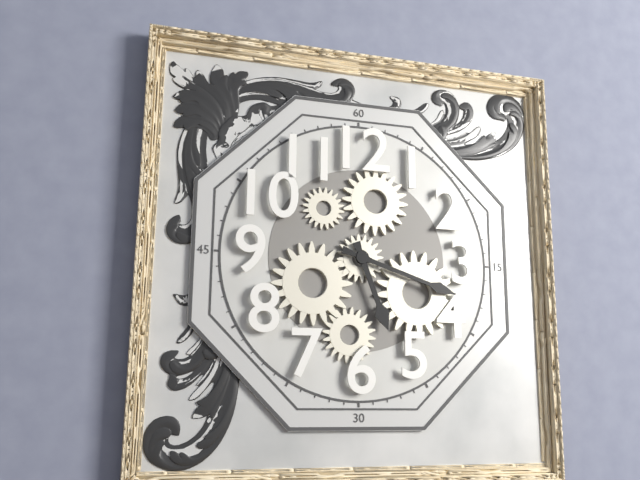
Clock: 5,18
